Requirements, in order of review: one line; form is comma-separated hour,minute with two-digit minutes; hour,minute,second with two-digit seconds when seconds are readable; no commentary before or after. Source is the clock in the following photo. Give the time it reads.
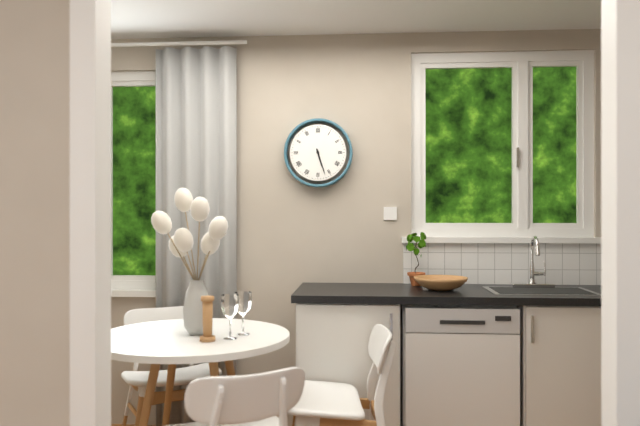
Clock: 5,27
